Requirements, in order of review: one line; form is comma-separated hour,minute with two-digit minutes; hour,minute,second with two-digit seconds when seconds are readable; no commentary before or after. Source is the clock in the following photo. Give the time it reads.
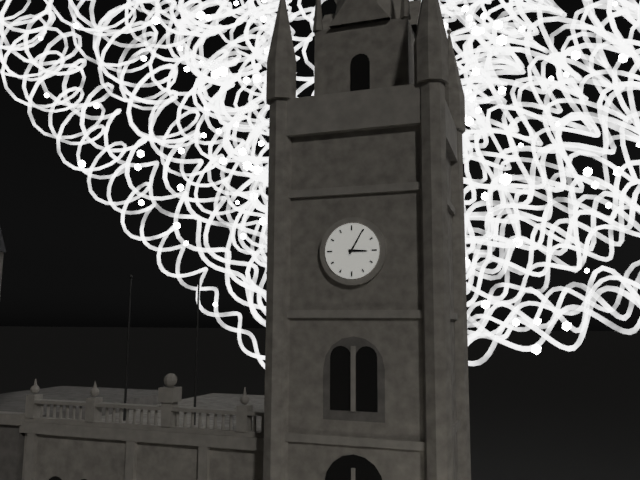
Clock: 3,05
